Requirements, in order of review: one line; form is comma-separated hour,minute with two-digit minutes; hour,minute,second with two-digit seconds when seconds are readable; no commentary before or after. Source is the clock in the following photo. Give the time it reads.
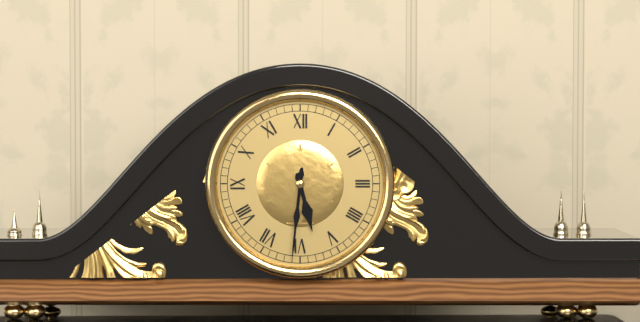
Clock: 5,31
